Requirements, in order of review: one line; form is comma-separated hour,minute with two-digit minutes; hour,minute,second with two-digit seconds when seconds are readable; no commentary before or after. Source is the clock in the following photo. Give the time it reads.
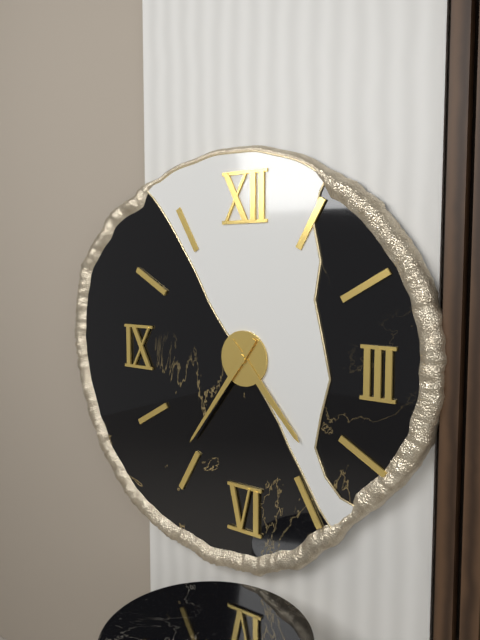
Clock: 4,36
